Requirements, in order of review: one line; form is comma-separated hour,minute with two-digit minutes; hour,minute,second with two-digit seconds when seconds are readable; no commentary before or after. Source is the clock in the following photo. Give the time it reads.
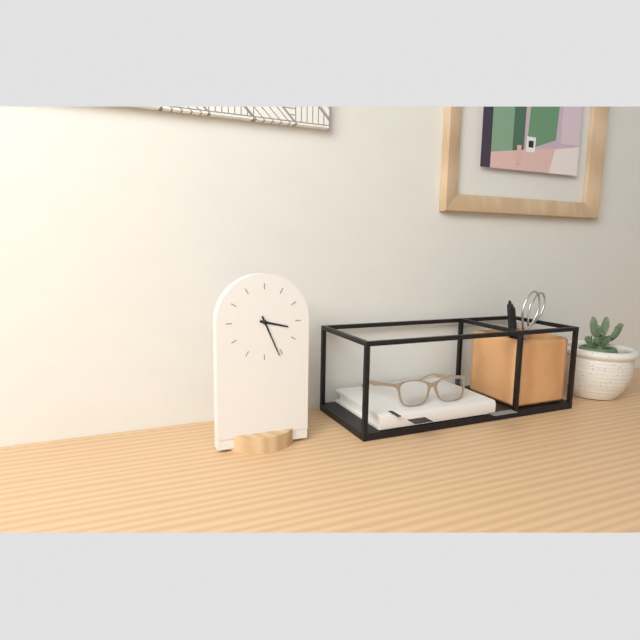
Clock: 3,26
